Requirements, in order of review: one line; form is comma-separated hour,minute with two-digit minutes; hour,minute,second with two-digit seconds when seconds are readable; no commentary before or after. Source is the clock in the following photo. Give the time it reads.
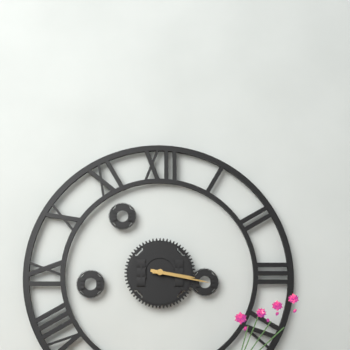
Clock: 3,17
